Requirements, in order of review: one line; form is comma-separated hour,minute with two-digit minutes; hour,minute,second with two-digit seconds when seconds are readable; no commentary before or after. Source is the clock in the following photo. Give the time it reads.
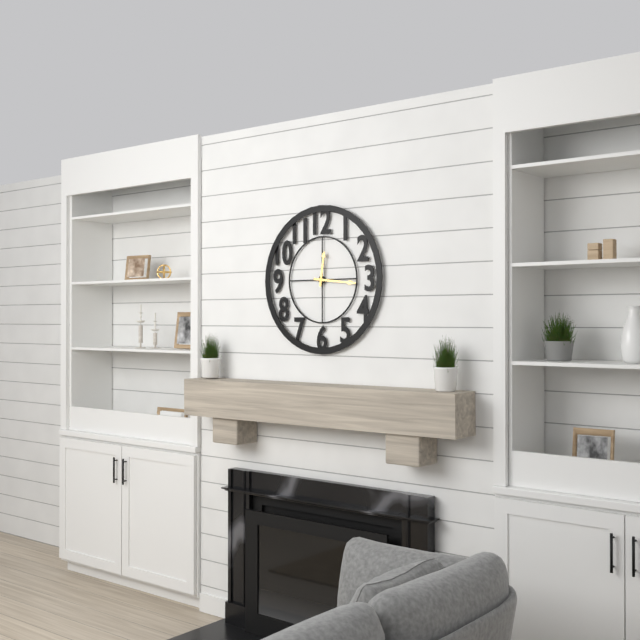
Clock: 12,16
